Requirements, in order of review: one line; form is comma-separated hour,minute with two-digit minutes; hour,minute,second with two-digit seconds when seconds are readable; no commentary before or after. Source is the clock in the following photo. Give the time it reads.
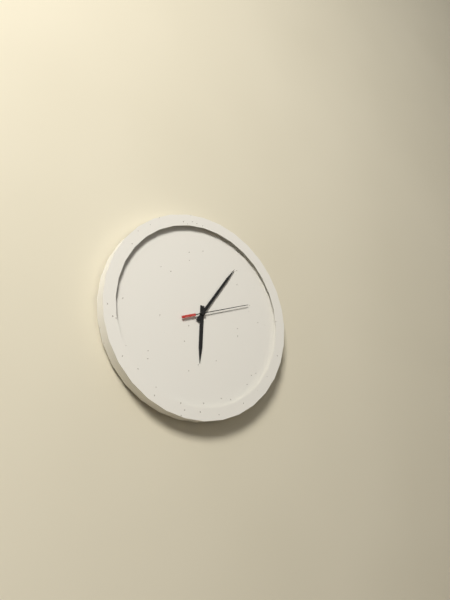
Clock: 6,06,12
